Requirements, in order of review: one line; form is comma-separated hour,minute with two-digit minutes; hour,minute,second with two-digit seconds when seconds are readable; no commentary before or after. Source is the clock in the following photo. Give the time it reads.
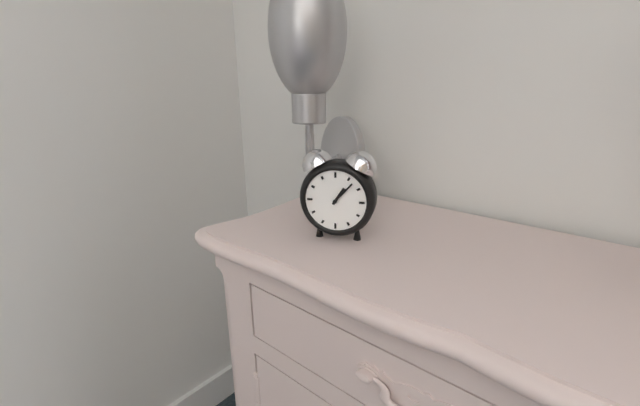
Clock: 1,07
